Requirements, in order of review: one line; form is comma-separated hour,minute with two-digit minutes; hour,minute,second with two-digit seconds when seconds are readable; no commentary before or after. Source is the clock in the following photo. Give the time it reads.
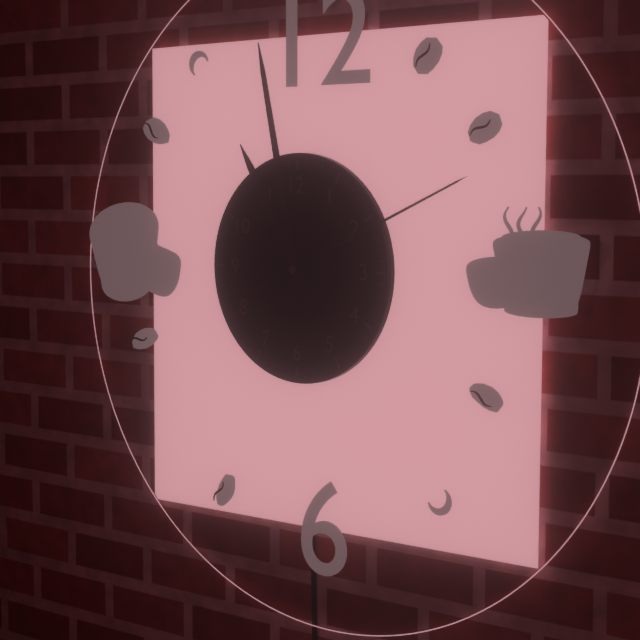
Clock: 10,58,11
